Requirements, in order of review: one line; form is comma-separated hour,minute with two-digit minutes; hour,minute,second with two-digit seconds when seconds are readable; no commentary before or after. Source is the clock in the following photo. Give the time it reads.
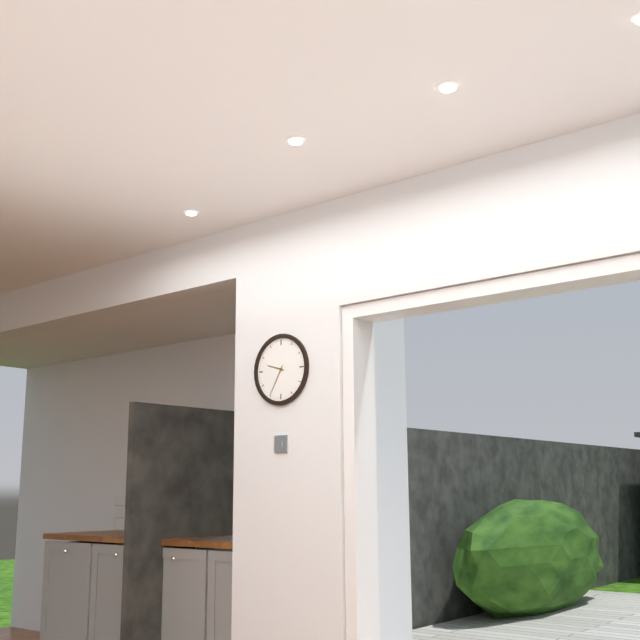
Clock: 9,35
